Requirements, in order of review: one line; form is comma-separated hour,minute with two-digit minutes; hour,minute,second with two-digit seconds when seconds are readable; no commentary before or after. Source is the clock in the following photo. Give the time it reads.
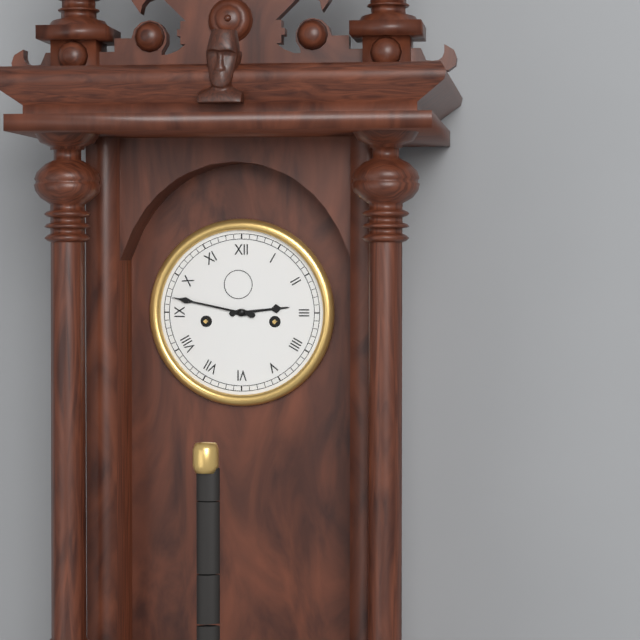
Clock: 2,47
